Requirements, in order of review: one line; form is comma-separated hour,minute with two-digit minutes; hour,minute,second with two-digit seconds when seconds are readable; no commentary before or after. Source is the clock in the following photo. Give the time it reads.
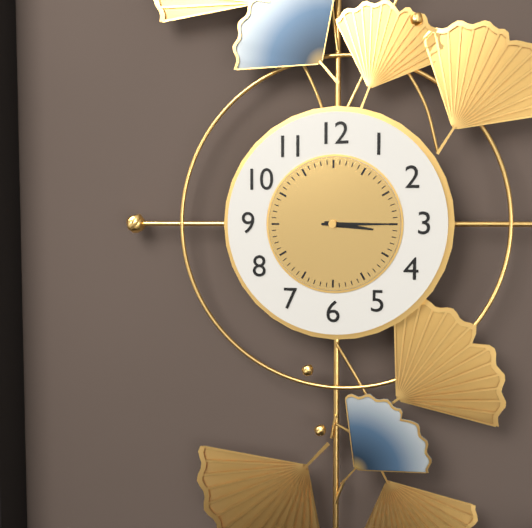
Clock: 3,15
